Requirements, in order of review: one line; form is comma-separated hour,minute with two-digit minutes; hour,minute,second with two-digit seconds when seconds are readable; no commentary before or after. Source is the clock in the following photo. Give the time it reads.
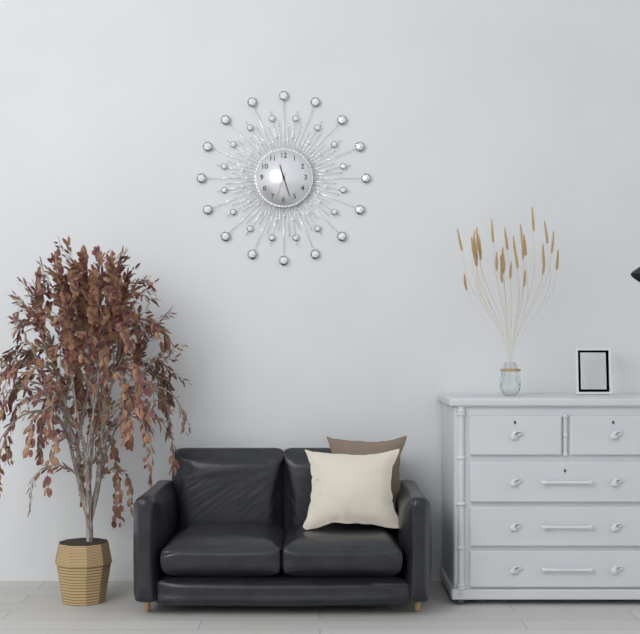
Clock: 11,27
